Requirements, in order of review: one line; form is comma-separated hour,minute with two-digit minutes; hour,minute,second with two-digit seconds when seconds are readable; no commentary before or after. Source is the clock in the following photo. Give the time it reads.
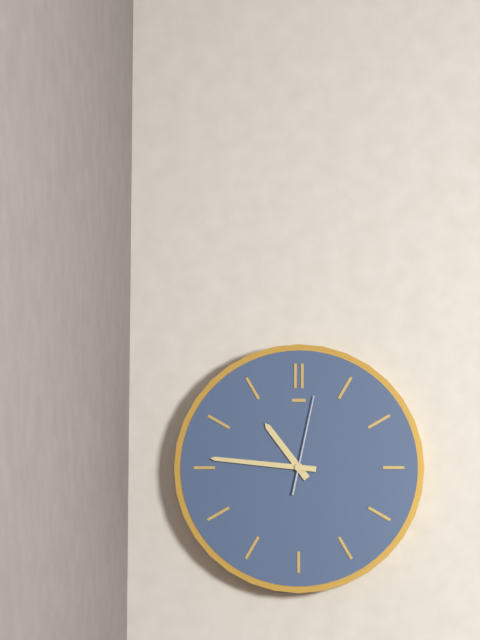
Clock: 10,46,02
